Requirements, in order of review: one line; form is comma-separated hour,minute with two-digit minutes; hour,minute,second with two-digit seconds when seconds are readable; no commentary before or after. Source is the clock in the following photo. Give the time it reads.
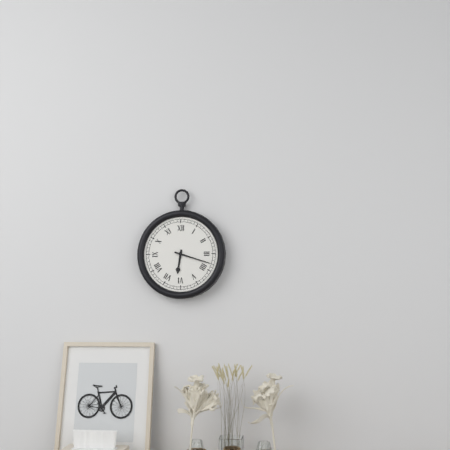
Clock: 6,18
